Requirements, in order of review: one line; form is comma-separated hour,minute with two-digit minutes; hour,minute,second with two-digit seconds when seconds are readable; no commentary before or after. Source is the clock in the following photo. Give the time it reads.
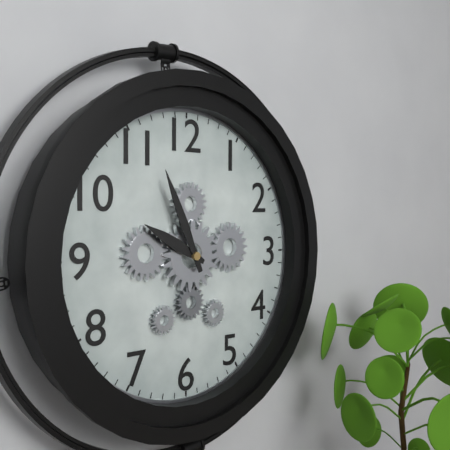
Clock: 9,56
